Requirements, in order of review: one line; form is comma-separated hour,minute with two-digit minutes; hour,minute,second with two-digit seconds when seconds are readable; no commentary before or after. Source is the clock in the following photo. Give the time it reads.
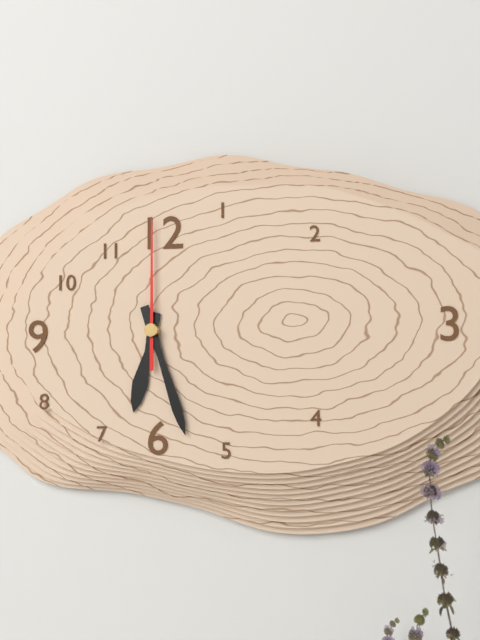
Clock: 6,27,00
